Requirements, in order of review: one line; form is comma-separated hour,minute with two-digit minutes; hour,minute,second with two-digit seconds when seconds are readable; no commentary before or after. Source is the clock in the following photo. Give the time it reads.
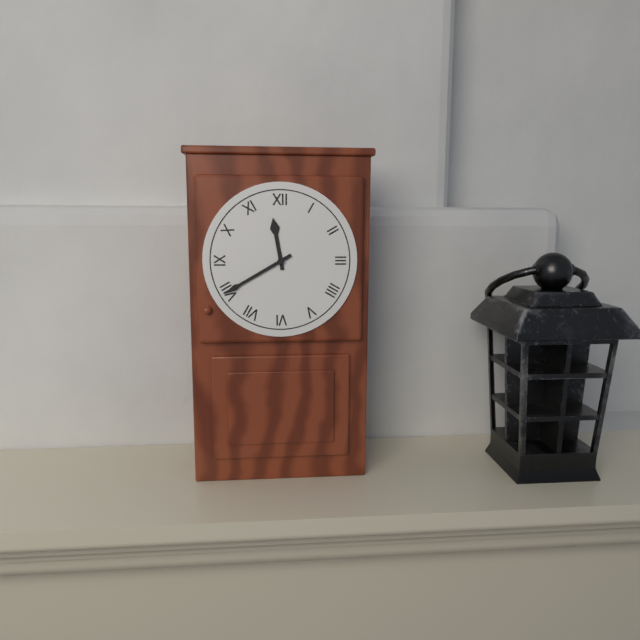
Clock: 11,40
